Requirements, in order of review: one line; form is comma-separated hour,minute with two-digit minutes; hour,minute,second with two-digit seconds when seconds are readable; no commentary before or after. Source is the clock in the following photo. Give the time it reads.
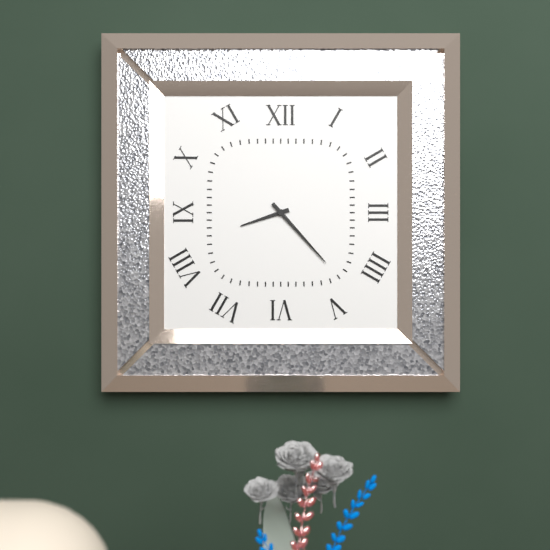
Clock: 8,23
